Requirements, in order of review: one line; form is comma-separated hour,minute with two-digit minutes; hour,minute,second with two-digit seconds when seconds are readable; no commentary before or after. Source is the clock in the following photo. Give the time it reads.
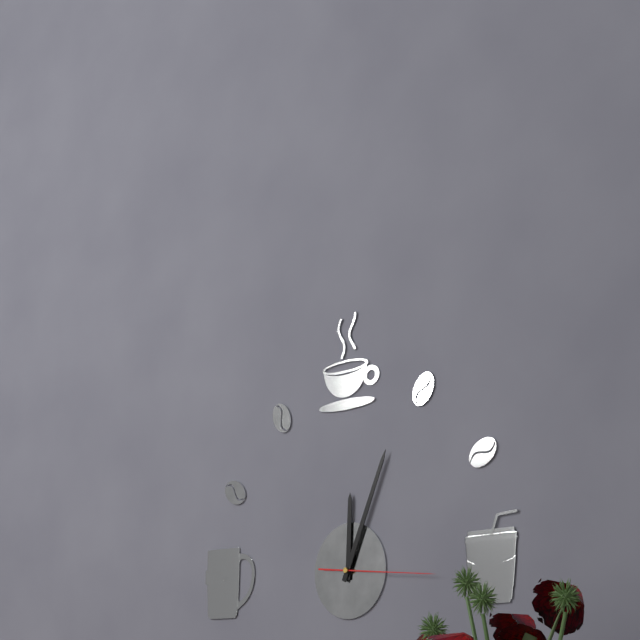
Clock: 12,04,16
